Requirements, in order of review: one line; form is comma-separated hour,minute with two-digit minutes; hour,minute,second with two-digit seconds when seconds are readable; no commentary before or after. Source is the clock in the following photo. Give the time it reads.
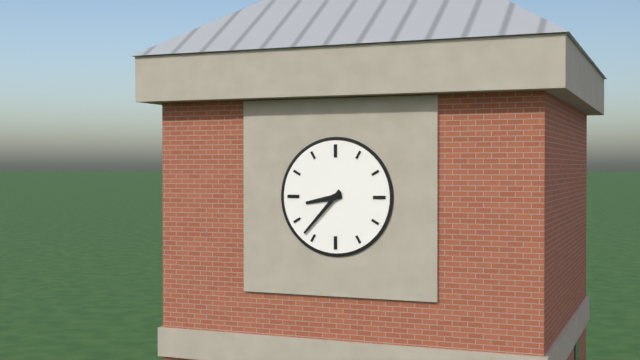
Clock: 8,37
